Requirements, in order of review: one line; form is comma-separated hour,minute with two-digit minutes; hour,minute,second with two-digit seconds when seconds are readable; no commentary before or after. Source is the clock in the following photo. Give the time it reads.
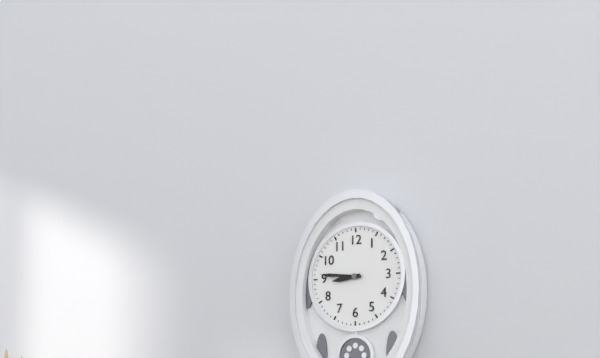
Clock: 8,46
